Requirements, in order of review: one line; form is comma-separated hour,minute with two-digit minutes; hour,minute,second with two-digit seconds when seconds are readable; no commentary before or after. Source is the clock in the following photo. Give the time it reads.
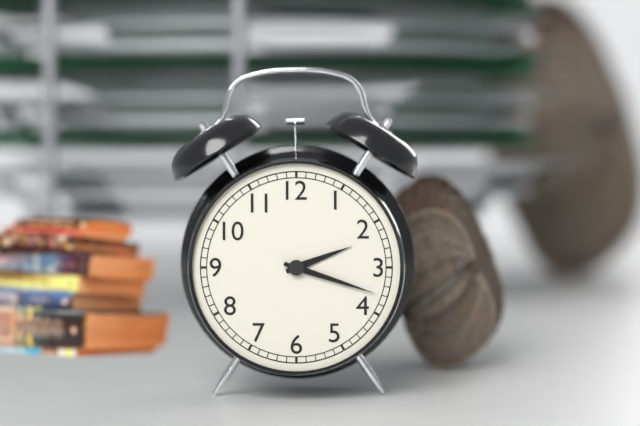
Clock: 2,18
